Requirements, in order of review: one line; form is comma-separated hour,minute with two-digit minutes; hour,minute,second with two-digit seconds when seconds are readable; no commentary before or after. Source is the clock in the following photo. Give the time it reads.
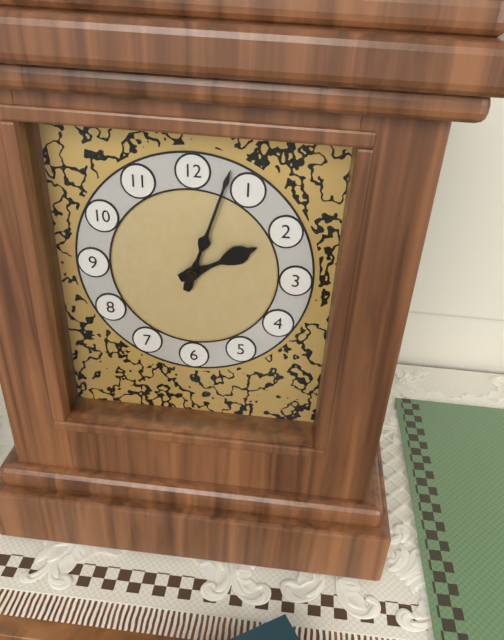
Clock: 2,03
